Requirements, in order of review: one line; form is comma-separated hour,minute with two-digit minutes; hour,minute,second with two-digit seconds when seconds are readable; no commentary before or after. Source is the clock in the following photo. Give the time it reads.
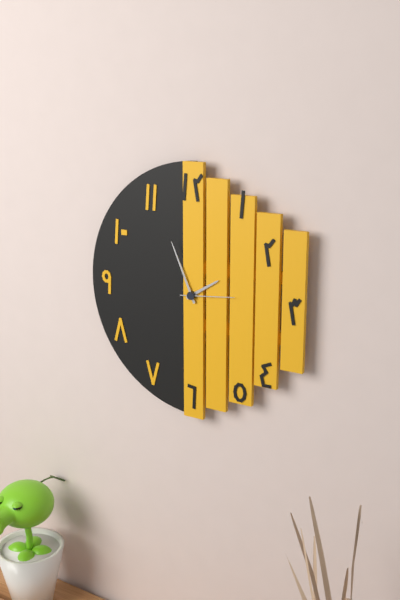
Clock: 1,56
